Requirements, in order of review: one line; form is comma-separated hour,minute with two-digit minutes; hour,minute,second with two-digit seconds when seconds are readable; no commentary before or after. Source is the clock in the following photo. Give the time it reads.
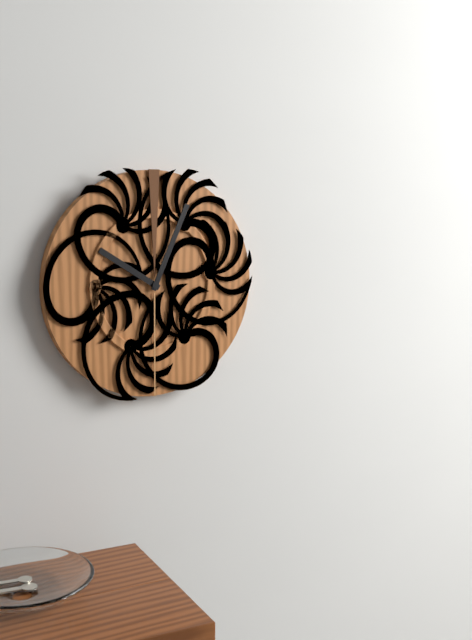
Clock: 10,04
